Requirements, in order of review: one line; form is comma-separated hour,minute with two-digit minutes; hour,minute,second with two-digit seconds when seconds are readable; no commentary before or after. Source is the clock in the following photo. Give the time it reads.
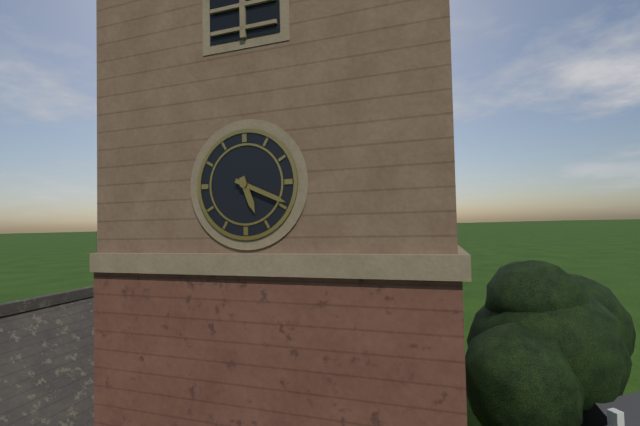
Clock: 5,19
